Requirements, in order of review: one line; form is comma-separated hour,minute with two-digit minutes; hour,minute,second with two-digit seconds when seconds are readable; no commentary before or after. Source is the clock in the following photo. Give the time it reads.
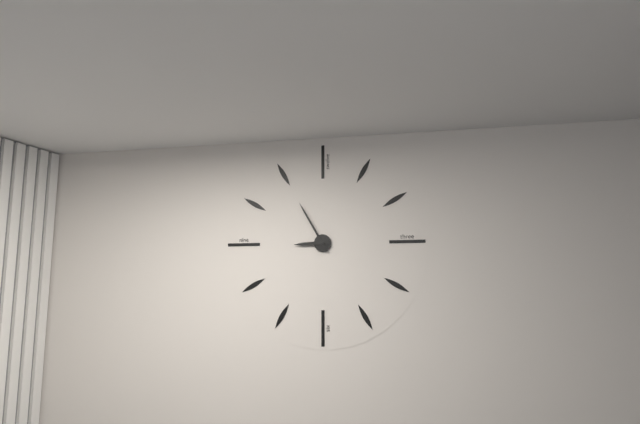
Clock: 8,55
